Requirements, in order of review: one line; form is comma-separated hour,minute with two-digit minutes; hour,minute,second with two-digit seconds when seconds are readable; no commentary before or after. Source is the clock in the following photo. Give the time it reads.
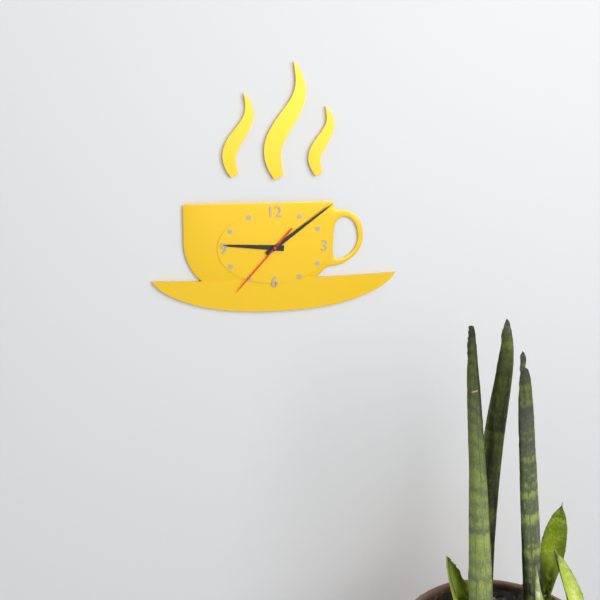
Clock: 9,09,37
